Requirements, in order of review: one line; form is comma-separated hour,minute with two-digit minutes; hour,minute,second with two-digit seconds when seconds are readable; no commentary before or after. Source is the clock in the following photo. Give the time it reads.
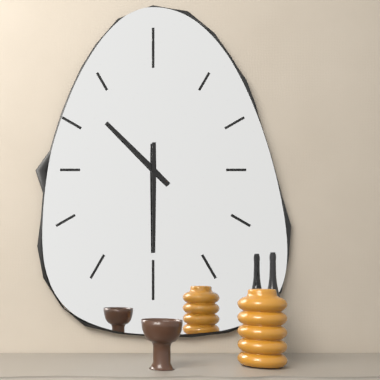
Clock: 10,30
